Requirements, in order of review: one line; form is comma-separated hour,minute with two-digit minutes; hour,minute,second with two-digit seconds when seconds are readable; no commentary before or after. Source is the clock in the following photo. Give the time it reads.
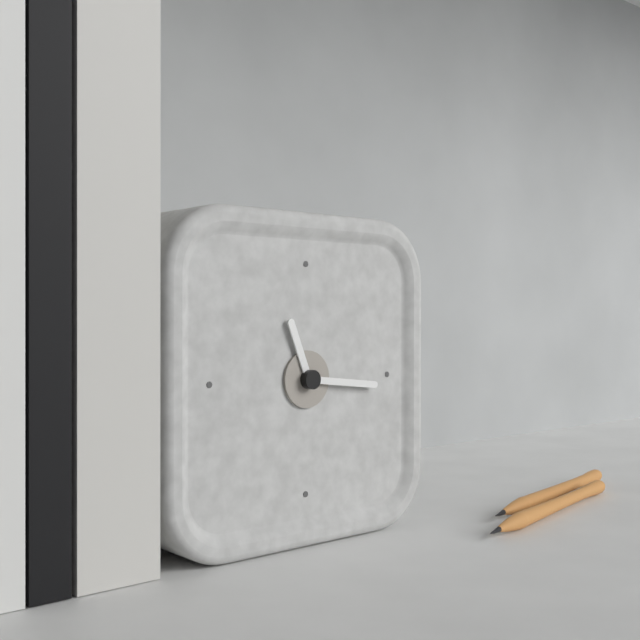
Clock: 11,16
